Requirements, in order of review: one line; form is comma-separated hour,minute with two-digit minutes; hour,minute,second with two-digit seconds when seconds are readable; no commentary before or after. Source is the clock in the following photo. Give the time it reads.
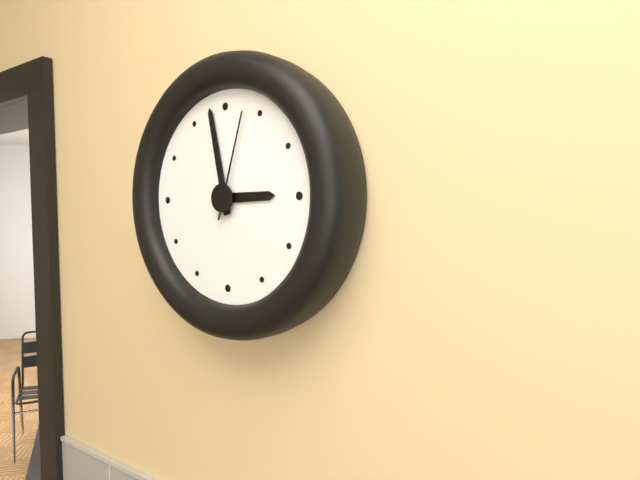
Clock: 2,58,03
